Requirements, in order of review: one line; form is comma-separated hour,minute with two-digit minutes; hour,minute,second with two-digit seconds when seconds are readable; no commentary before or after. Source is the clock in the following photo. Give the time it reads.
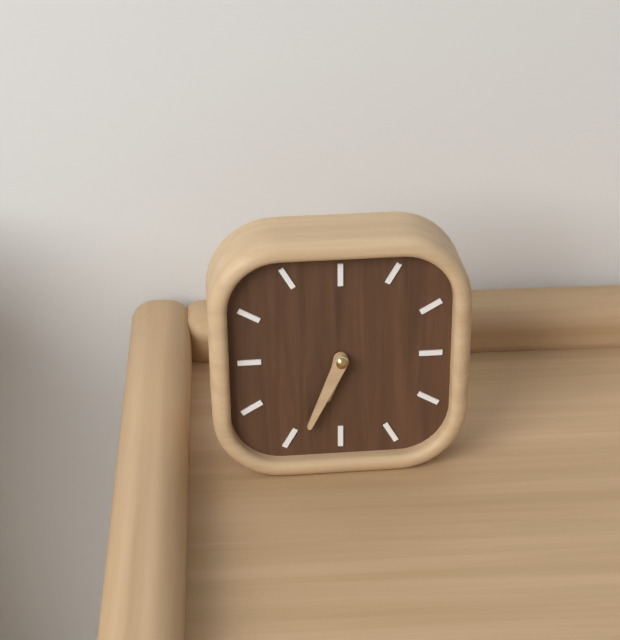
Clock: 6,34
